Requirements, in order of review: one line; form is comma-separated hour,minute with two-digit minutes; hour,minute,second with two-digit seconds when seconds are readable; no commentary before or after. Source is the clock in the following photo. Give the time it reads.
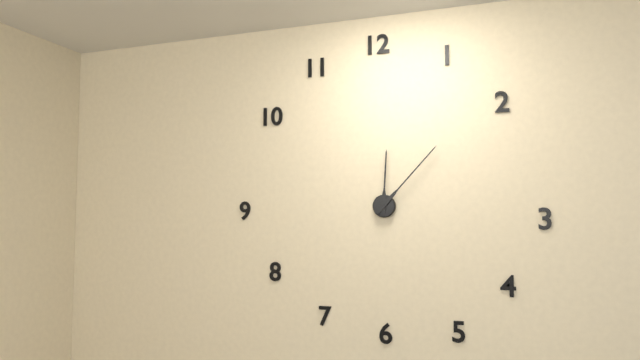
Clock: 12,07
